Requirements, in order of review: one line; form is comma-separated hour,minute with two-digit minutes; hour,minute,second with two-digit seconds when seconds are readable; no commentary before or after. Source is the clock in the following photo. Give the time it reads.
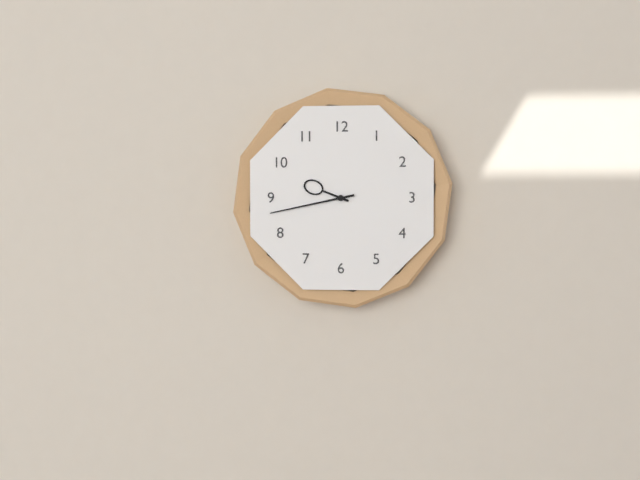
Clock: 9,43
